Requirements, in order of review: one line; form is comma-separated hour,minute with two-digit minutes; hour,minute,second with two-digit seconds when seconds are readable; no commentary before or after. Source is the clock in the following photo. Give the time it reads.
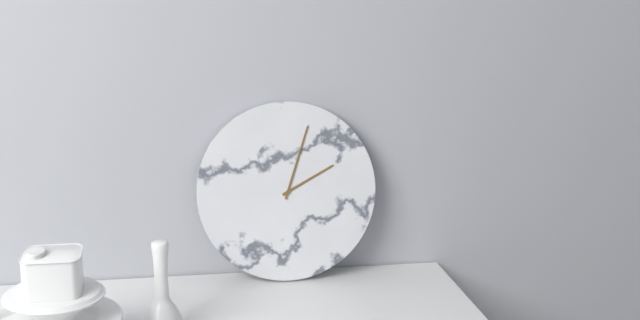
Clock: 2,03
